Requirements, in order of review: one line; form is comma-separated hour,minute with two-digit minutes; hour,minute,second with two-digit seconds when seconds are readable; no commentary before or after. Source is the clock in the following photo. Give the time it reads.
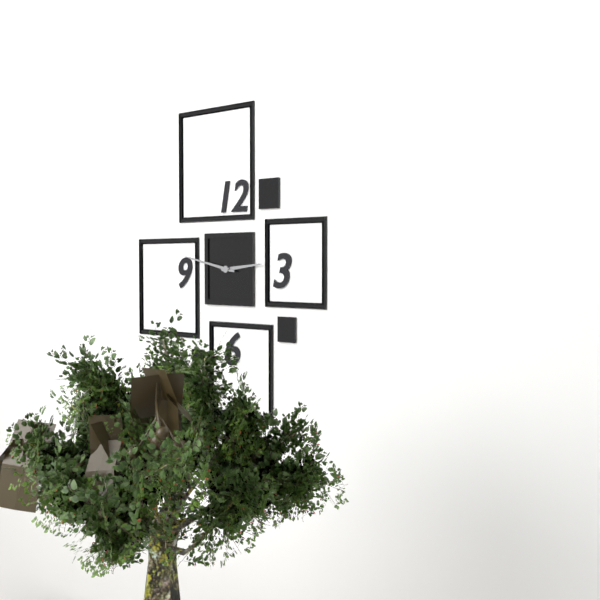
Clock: 2,47
